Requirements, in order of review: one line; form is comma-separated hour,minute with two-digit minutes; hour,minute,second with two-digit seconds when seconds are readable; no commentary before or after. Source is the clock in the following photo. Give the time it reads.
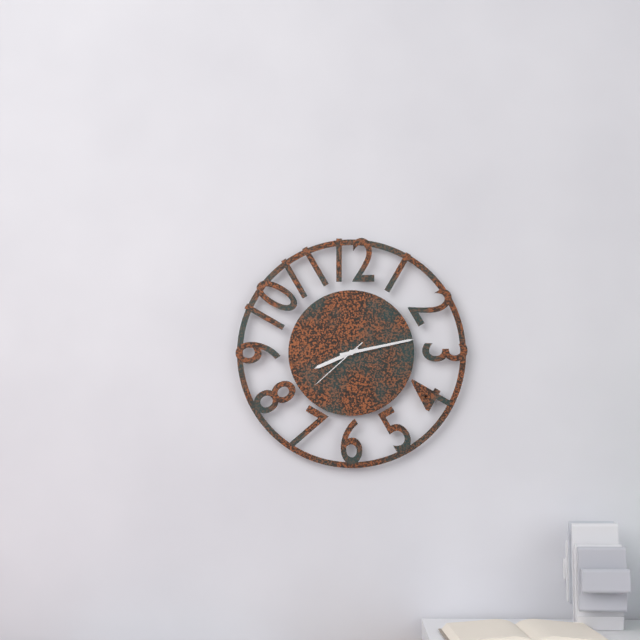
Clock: 8,13,38
